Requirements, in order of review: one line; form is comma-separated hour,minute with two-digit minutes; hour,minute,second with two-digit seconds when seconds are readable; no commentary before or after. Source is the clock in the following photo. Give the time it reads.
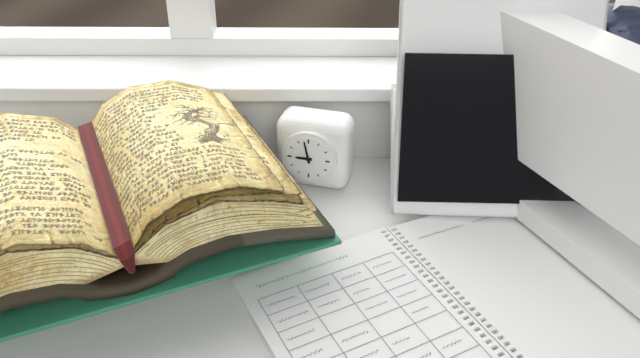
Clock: 8,58
